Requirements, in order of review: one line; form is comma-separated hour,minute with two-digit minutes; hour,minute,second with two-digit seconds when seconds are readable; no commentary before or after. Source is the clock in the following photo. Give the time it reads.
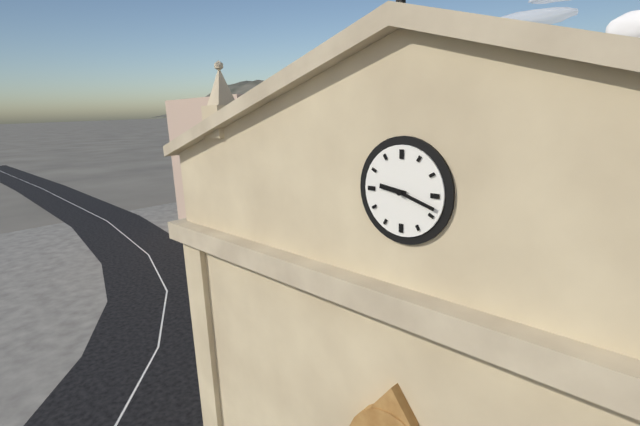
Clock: 9,18
